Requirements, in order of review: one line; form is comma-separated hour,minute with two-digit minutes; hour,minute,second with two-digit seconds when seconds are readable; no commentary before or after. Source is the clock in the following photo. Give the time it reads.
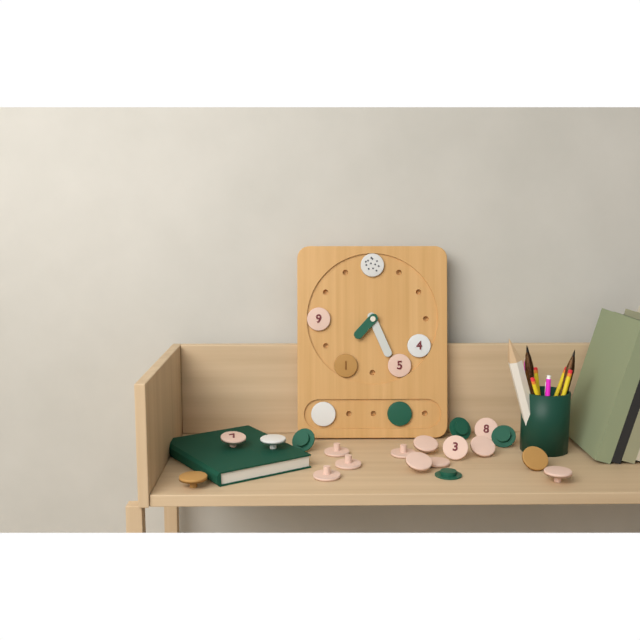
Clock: 7,26
